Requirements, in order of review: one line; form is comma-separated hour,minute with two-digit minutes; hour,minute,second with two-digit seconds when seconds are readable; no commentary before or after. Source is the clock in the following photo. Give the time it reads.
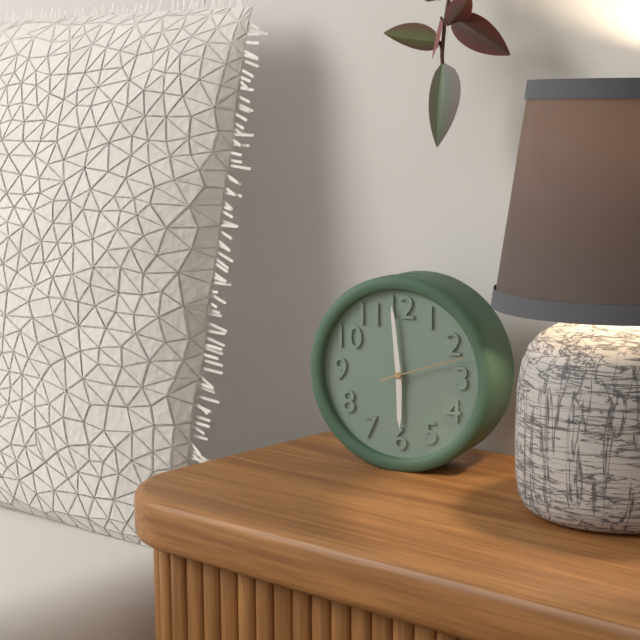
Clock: 5,59,12
